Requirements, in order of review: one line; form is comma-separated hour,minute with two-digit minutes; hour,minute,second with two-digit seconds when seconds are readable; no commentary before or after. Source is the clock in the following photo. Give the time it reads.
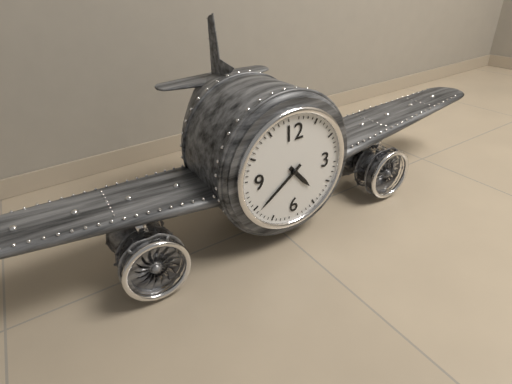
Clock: 4,39
